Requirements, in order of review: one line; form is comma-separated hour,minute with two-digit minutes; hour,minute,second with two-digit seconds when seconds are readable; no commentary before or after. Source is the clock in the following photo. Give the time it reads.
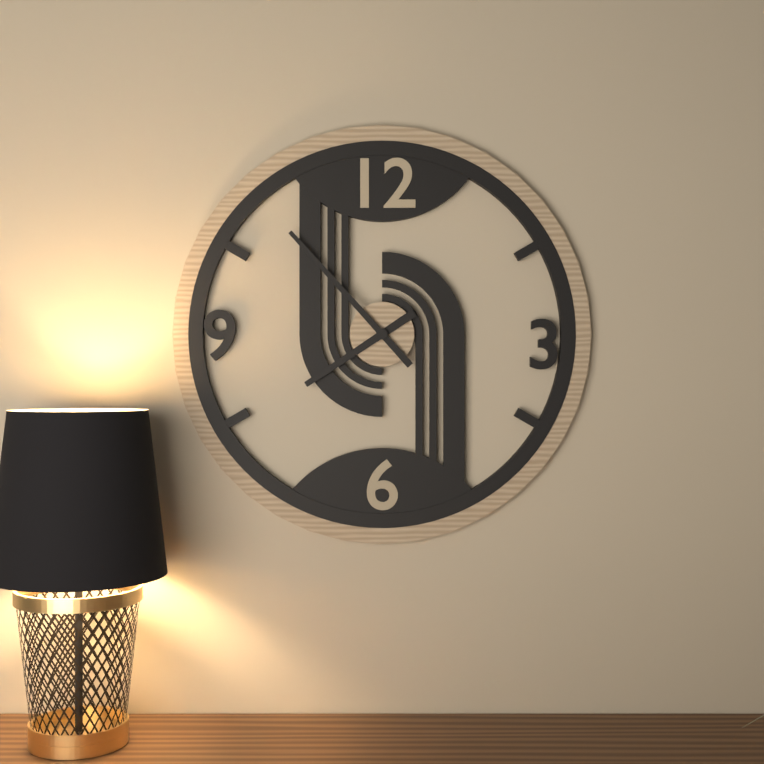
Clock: 7,53
